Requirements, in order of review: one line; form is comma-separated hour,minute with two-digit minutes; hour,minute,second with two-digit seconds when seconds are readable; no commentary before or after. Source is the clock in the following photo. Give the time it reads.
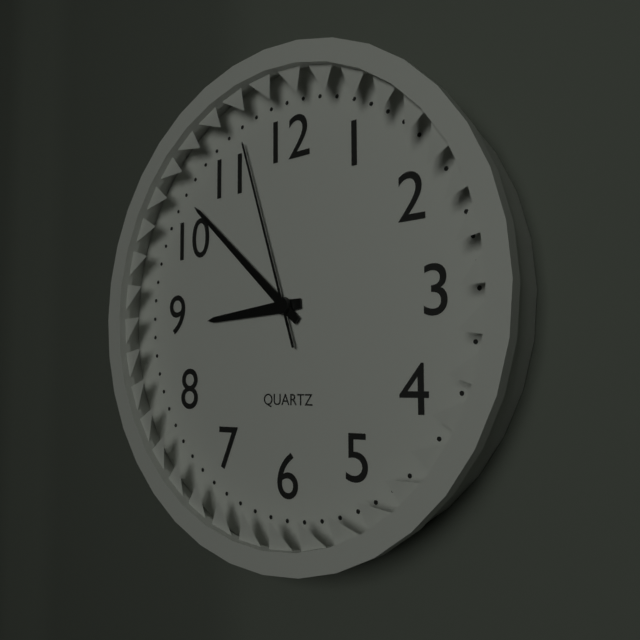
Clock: 8,52,57
